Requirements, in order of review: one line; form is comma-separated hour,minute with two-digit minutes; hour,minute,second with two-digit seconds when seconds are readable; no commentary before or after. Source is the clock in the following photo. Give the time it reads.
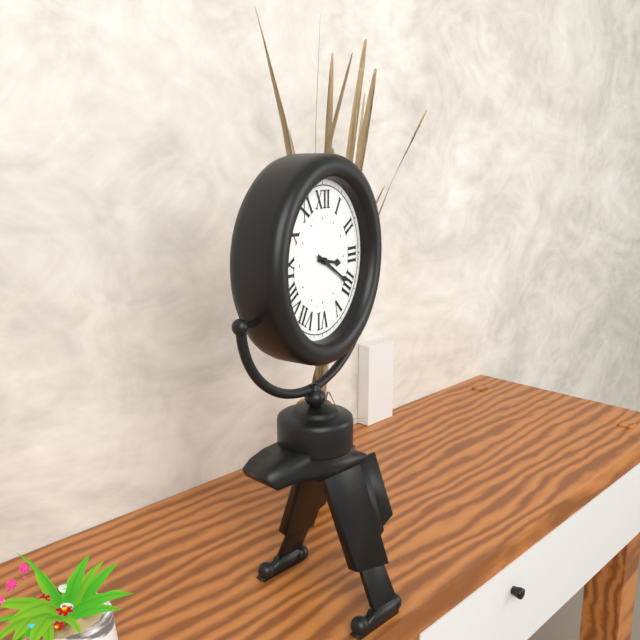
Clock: 3,20
